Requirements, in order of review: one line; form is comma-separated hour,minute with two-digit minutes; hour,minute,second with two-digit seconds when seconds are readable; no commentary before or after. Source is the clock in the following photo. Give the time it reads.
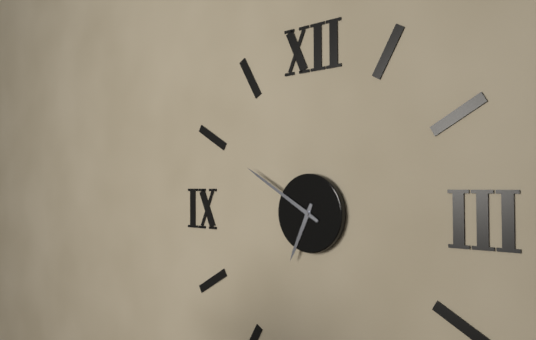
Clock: 6,50
